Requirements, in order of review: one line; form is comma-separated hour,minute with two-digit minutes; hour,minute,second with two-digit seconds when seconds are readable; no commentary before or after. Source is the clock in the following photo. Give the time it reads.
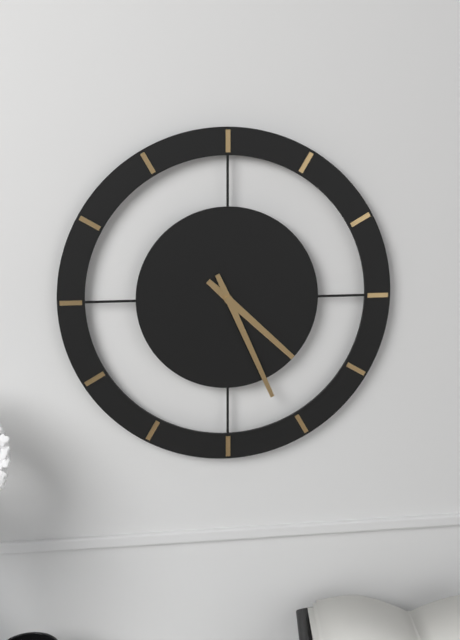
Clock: 4,26
